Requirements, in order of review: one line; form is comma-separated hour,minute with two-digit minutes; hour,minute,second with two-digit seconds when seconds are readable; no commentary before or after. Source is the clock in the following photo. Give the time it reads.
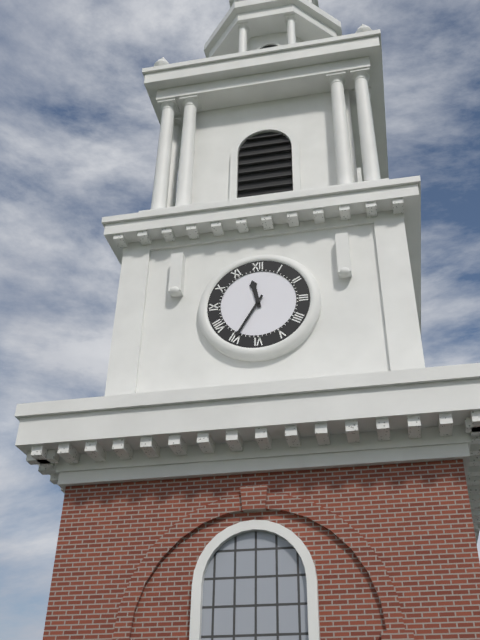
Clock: 11,35
